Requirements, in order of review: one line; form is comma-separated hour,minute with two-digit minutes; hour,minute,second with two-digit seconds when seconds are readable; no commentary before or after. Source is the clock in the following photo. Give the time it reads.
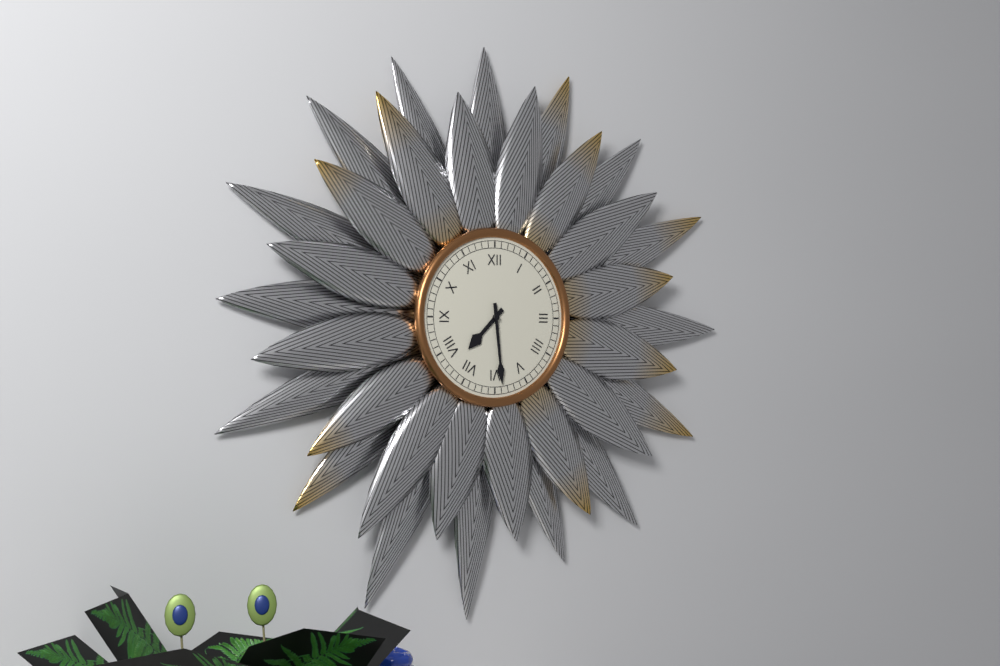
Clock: 7,29
